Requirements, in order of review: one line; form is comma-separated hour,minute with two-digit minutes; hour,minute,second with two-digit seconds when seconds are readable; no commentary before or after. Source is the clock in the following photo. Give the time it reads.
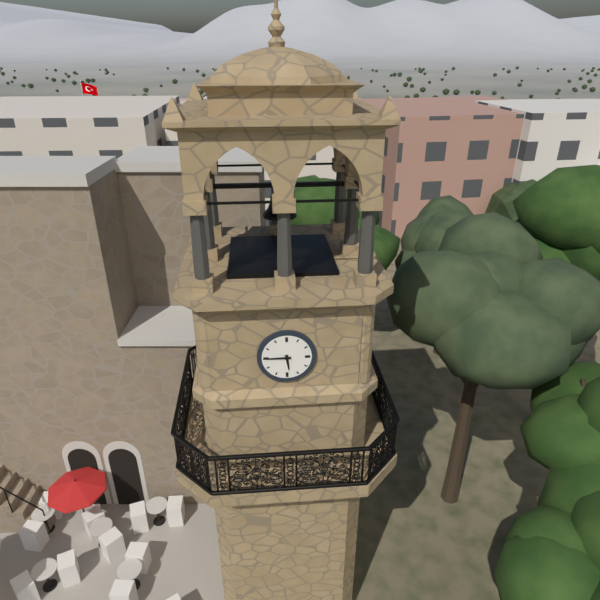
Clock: 5,45
